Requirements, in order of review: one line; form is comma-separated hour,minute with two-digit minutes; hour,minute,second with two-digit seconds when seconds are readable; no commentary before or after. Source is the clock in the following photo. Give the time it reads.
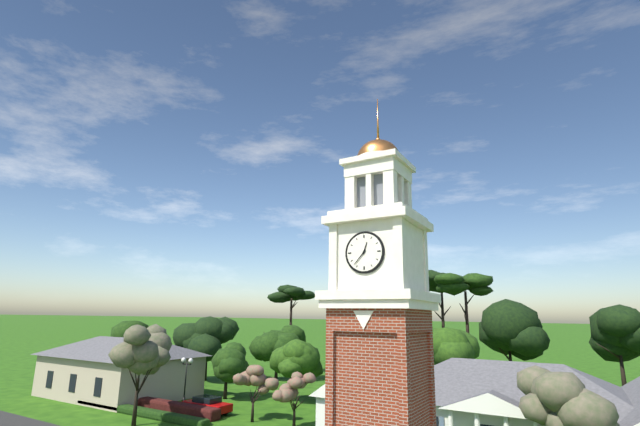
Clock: 12,37
